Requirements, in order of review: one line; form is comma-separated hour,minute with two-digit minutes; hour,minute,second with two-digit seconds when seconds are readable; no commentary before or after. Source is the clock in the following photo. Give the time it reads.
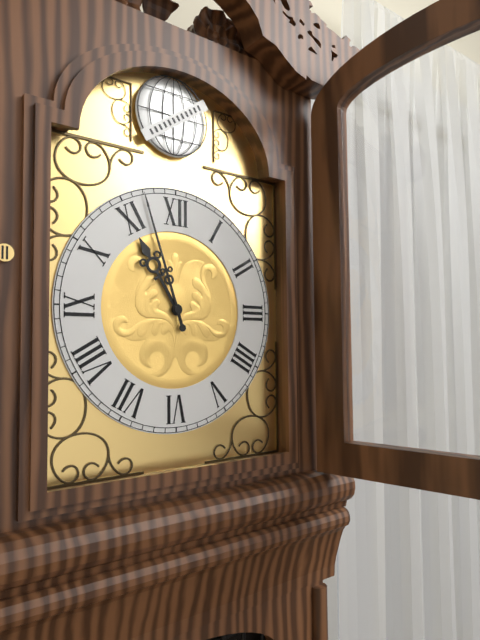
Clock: 10,57
